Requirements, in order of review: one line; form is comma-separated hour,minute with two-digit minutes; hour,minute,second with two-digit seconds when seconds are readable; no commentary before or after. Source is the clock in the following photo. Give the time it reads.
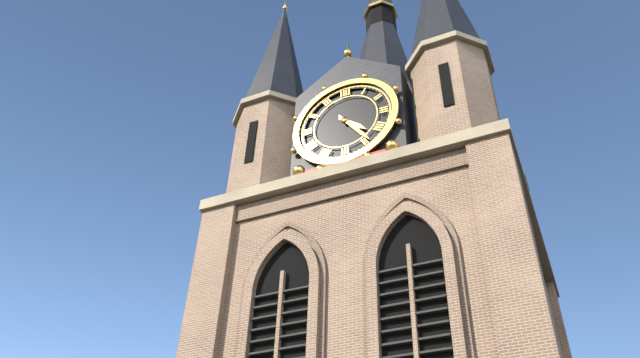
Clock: 4,24
